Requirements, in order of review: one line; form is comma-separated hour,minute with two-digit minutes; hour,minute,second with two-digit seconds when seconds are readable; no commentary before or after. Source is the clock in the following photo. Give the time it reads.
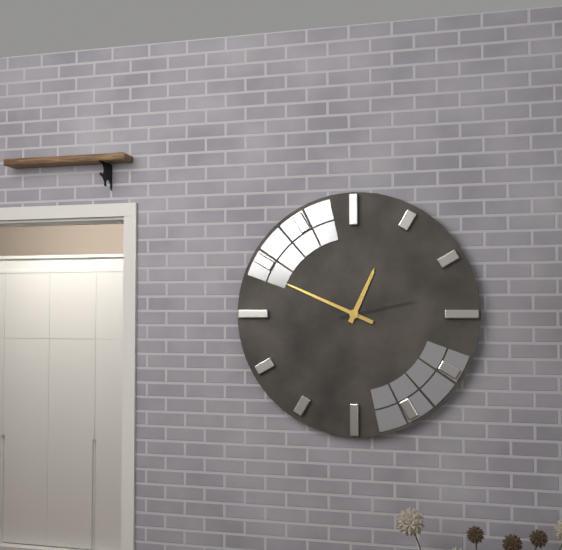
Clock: 12,49,13
